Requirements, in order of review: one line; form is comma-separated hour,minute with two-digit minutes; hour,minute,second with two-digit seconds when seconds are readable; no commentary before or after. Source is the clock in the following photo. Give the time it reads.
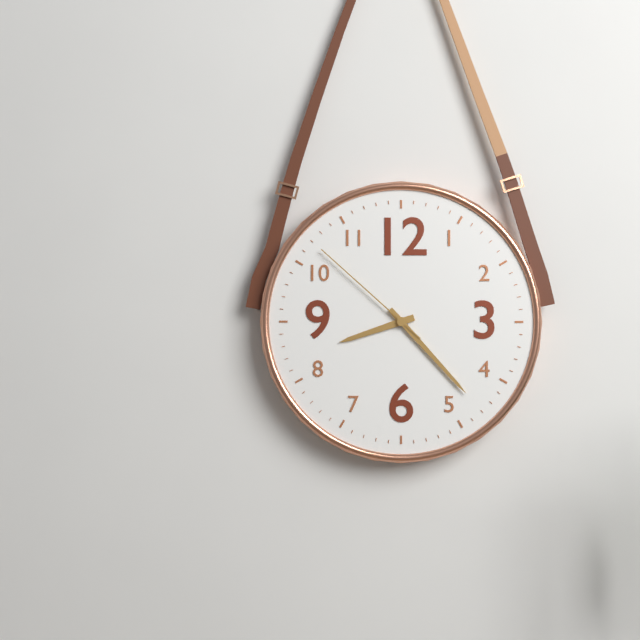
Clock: 8,23,52
